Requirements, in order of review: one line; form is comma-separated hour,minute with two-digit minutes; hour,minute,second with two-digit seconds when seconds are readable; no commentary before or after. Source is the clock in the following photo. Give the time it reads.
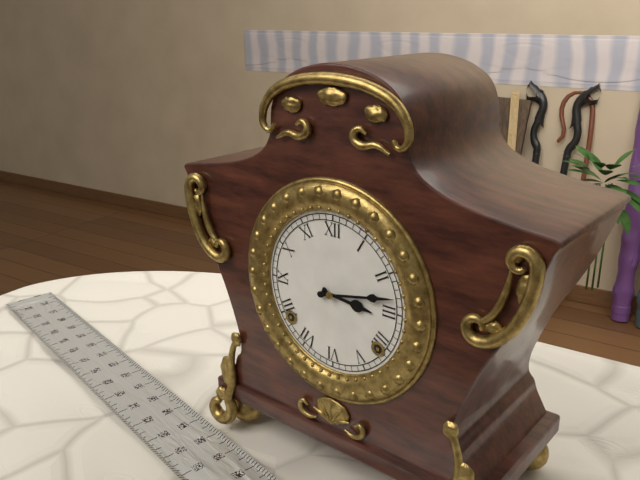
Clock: 3,13
